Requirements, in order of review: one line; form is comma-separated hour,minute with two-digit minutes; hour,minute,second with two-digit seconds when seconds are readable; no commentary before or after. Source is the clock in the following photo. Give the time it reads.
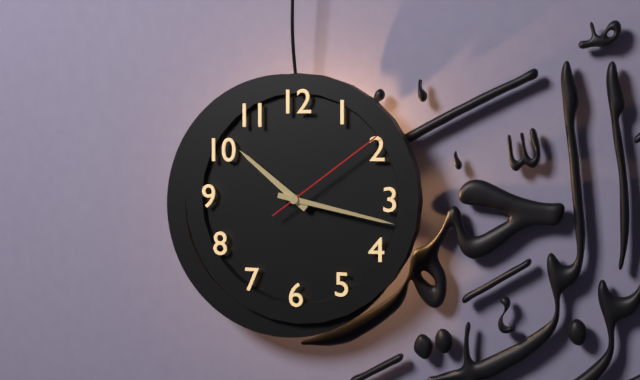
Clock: 10,17,09
